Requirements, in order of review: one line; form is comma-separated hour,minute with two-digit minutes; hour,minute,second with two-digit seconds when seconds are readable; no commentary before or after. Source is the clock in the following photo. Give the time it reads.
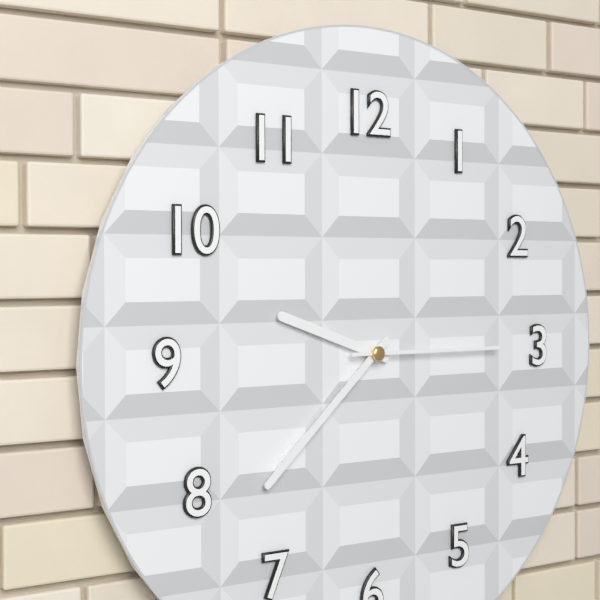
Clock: 9,38,15
